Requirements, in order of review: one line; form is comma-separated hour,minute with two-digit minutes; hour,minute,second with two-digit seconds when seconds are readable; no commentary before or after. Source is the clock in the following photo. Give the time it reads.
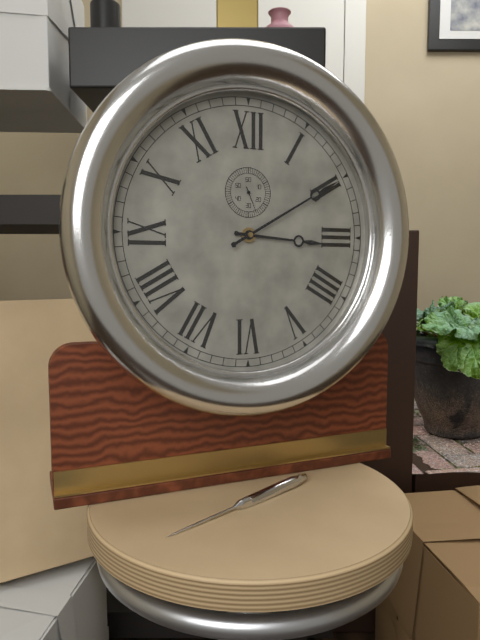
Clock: 3,10
